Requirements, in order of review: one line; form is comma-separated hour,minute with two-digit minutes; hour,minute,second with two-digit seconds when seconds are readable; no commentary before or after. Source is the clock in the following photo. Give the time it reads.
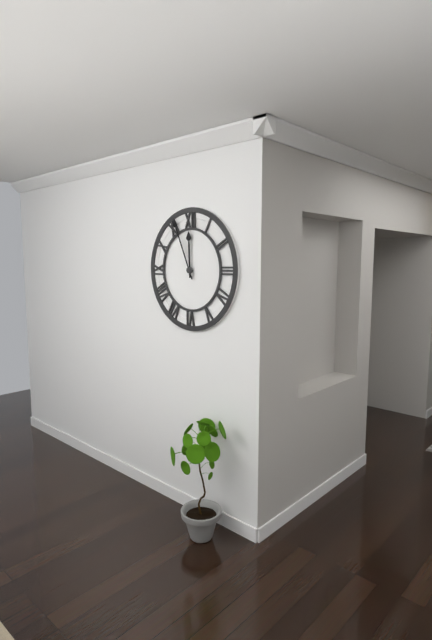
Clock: 11,56
